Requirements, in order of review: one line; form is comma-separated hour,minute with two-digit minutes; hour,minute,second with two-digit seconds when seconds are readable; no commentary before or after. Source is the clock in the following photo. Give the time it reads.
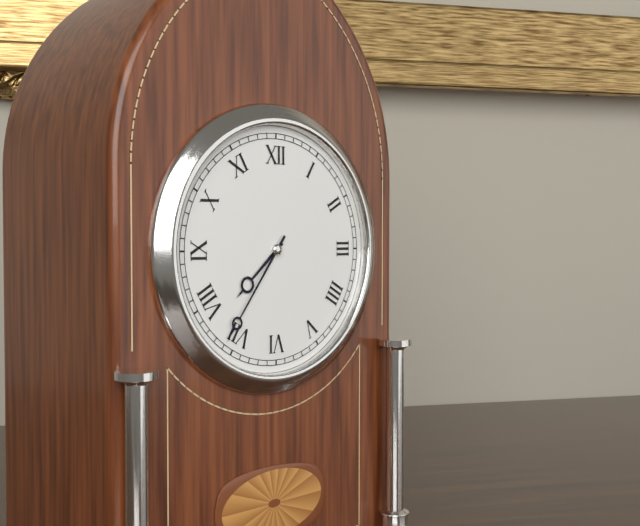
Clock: 7,36
